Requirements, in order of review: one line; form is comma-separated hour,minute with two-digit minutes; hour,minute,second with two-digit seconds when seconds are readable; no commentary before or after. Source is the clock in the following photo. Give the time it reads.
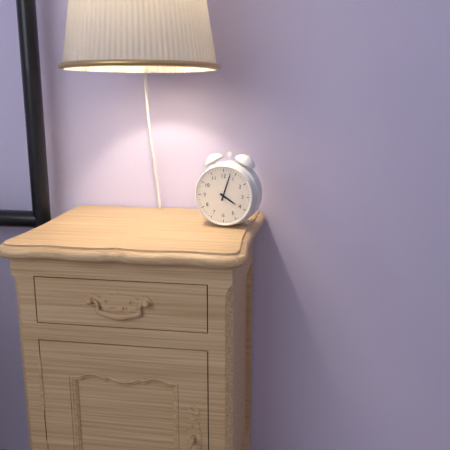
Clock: 4,03
